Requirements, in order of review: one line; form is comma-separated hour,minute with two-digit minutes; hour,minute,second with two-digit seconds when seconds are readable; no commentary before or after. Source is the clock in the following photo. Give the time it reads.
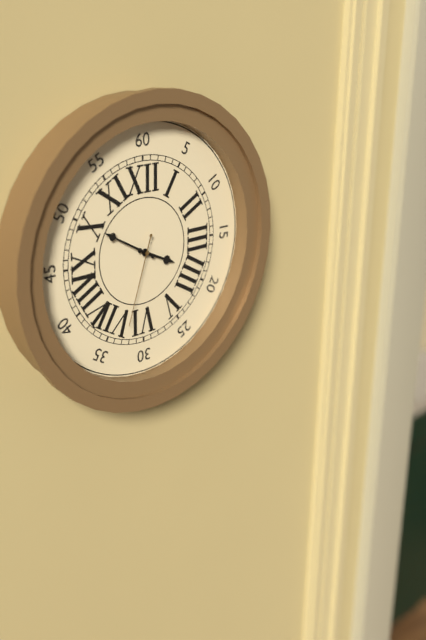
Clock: 3,50,33
